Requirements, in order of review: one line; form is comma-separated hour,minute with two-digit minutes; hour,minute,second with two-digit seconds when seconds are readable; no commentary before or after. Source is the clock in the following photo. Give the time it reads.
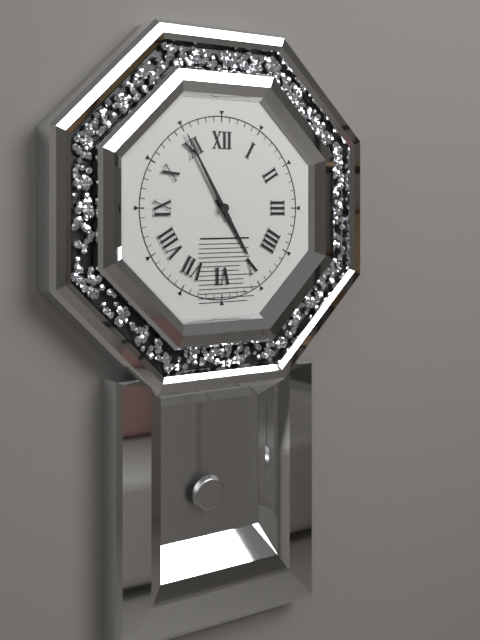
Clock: 4,55
